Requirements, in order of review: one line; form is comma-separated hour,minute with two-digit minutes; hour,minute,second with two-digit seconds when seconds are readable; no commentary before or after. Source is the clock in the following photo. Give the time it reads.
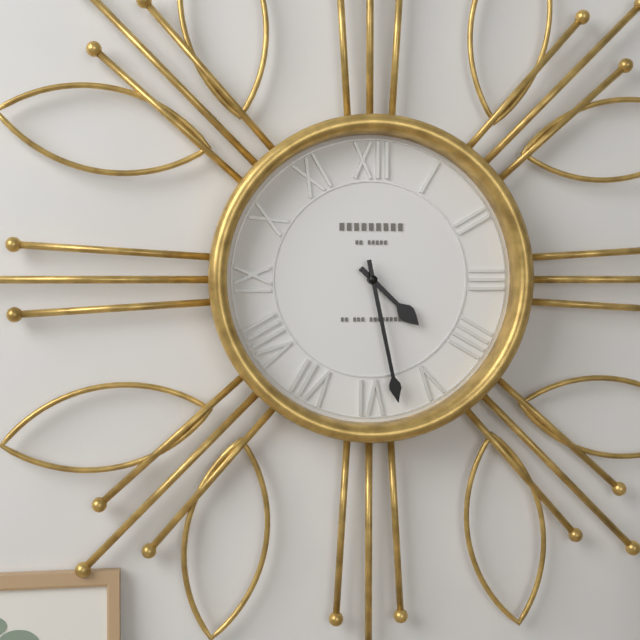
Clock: 4,28
